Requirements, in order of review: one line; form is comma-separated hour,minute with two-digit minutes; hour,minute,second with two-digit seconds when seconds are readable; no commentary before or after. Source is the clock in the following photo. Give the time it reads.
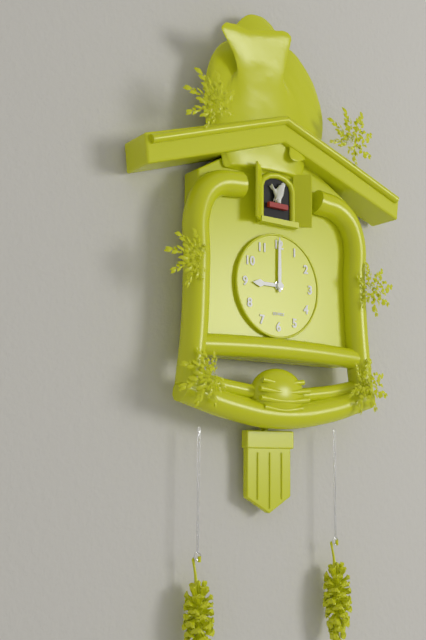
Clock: 9,00
